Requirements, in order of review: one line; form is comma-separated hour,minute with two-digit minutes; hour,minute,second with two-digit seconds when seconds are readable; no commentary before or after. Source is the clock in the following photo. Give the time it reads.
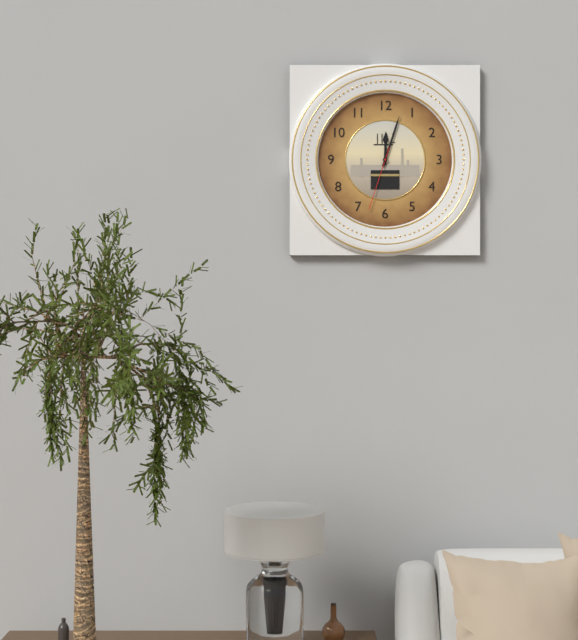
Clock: 12,03,33
